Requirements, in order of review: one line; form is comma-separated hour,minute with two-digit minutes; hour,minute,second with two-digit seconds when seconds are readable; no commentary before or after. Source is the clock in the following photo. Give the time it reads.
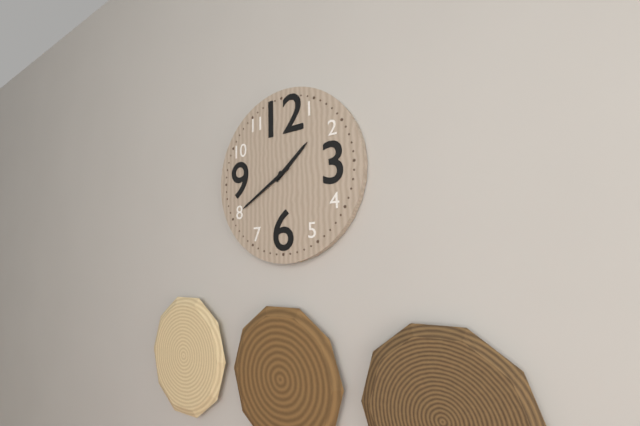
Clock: 1,40
